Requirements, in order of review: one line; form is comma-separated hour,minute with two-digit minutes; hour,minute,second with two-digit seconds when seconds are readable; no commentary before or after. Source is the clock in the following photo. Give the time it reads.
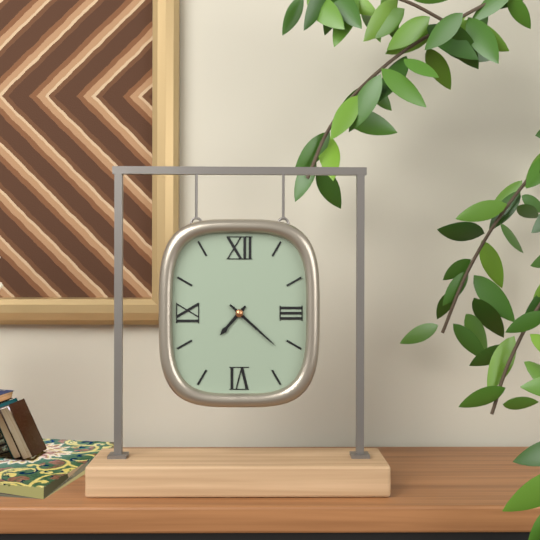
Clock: 7,22
